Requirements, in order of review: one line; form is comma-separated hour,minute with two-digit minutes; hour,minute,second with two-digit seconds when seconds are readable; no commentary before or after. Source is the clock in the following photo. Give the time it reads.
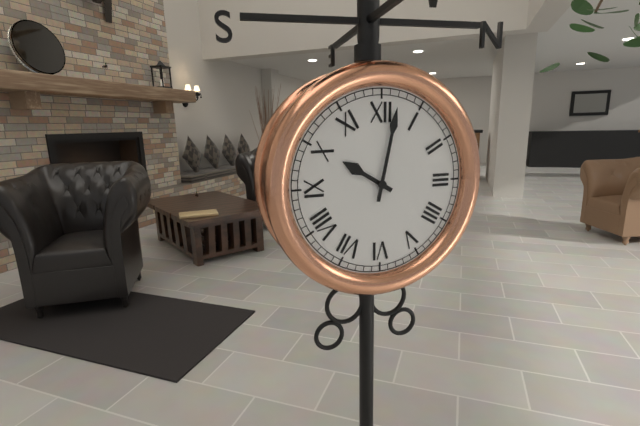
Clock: 10,02
